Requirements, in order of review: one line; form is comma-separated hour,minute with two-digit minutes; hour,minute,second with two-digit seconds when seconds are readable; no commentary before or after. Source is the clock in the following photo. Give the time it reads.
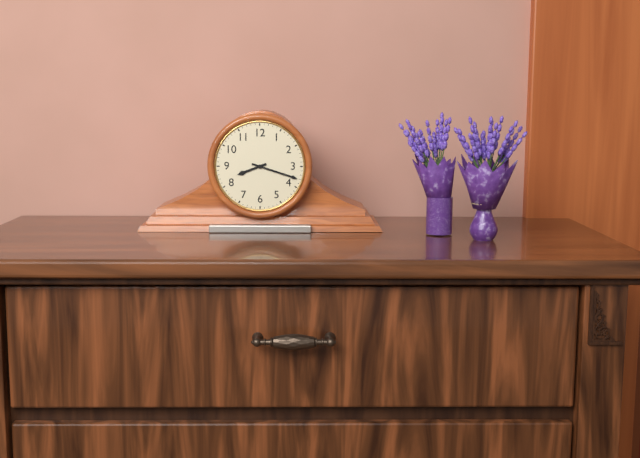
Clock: 8,18
